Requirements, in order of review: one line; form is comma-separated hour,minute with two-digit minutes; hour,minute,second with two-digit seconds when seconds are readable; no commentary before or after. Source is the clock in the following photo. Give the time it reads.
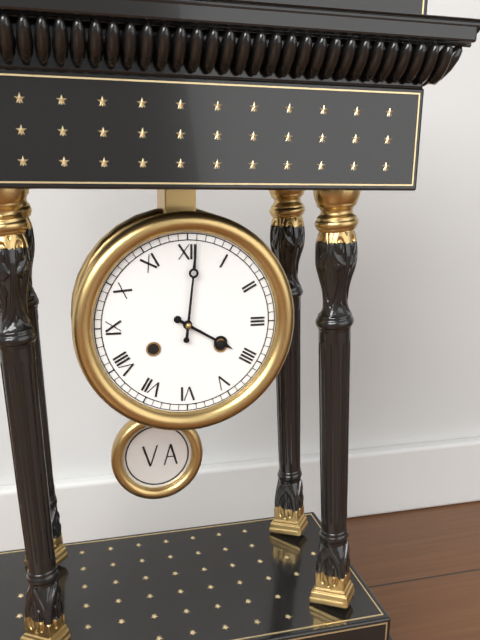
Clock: 4,01
